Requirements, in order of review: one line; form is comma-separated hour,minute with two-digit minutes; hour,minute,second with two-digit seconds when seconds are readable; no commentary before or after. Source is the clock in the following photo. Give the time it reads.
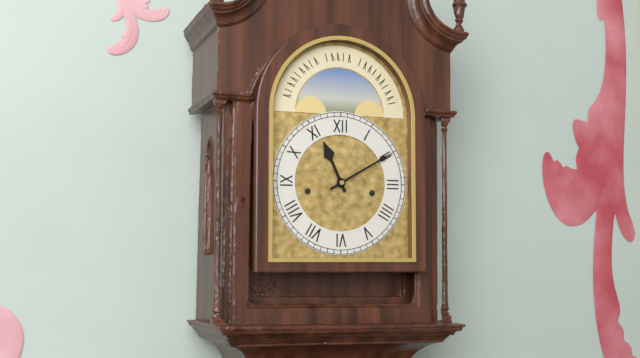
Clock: 11,10
